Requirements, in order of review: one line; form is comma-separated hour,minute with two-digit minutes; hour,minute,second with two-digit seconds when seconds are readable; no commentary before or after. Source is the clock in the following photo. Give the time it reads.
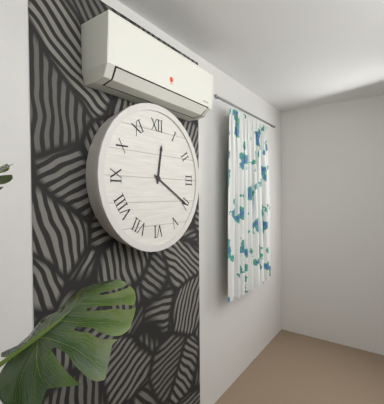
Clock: 12,20
